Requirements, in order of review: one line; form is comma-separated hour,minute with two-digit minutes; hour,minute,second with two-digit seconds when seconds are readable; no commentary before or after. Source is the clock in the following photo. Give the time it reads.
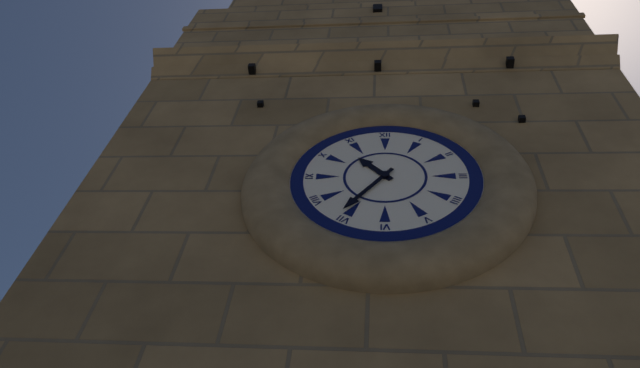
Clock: 10,36
